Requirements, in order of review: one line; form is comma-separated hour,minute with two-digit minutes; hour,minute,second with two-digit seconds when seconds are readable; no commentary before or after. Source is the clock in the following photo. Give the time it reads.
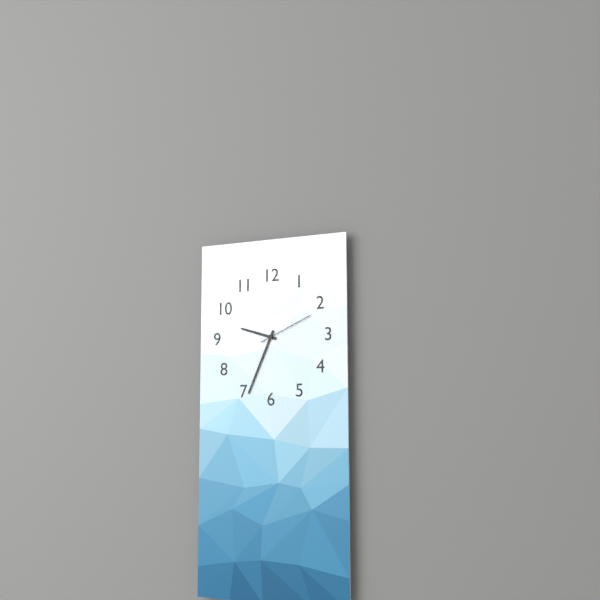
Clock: 9,34,11
